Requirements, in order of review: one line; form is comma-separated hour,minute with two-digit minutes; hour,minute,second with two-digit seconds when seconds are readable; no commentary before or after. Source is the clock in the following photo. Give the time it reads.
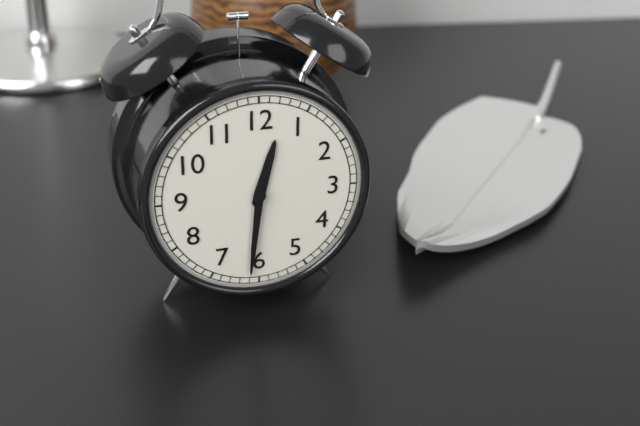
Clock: 12,31
